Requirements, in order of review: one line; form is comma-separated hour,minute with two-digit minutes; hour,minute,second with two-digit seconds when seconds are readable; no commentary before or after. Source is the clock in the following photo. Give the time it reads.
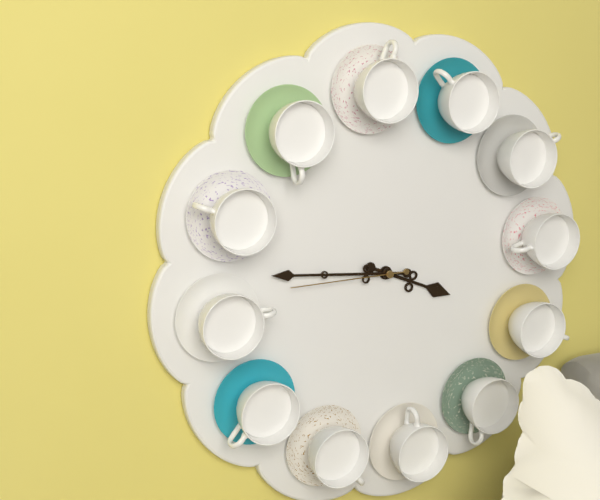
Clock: 3,46,45
